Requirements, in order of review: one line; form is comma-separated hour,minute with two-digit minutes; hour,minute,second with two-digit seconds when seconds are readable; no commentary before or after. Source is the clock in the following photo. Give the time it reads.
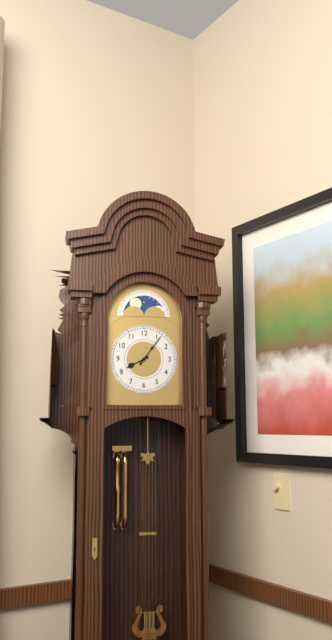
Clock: 8,06
